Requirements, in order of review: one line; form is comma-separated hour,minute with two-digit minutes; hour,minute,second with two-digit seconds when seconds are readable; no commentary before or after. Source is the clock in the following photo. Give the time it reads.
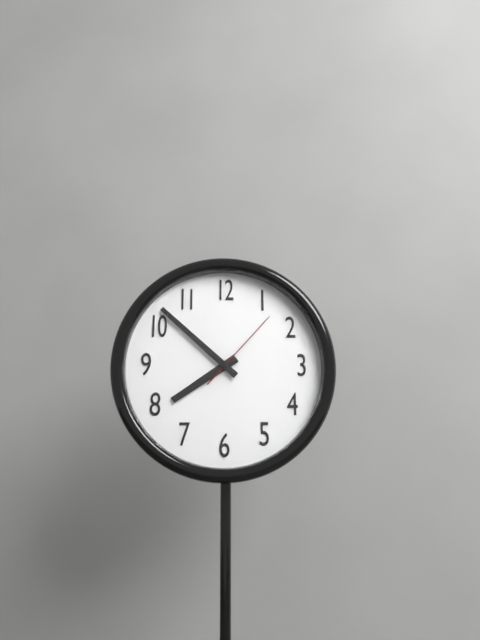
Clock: 7,52,07
